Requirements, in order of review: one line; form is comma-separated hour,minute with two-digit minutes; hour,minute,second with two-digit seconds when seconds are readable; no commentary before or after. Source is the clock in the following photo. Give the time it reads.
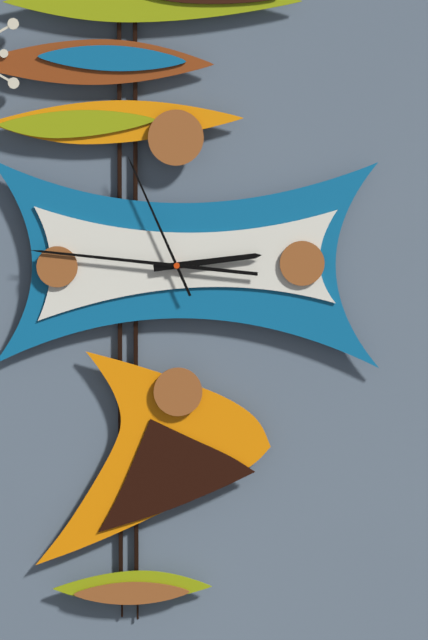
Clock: 2,46,56
